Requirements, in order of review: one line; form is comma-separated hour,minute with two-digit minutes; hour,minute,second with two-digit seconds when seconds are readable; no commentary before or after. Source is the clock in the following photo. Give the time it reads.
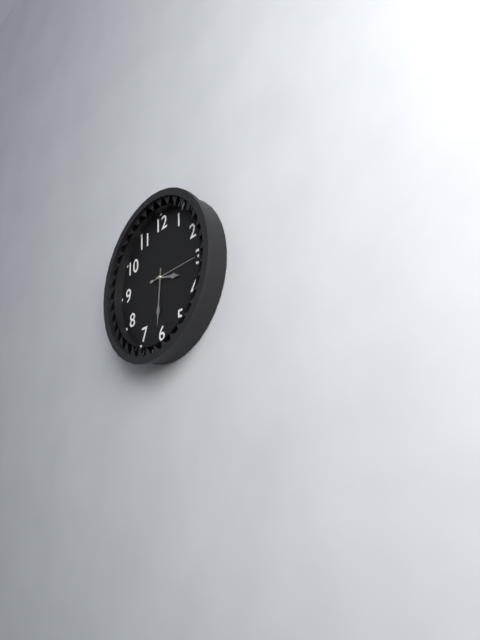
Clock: 3,31
